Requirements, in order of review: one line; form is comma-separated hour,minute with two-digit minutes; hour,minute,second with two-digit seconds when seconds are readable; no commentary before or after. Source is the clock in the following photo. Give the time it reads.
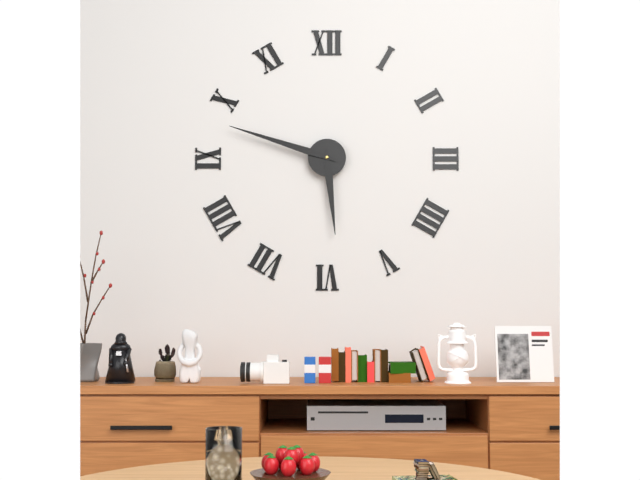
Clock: 5,48
